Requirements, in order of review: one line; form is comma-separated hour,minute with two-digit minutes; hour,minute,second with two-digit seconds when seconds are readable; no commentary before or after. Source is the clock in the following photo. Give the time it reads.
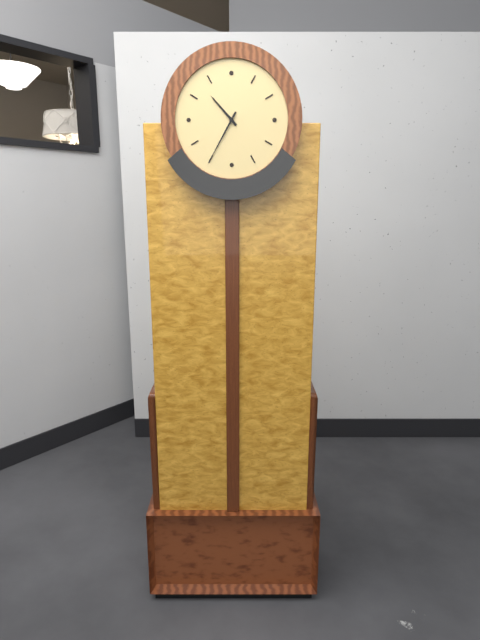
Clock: 10,35
